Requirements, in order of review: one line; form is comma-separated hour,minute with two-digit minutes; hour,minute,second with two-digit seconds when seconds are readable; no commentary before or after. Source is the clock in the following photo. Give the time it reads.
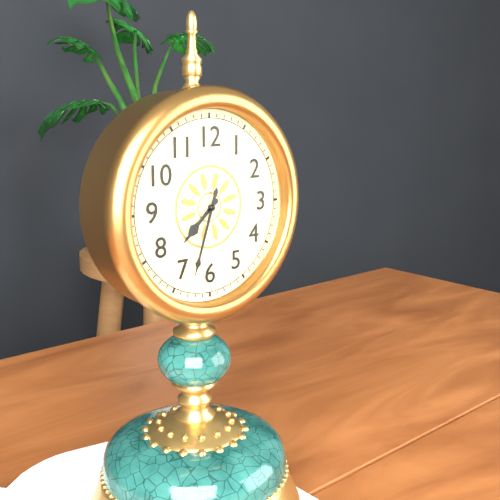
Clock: 7,33
